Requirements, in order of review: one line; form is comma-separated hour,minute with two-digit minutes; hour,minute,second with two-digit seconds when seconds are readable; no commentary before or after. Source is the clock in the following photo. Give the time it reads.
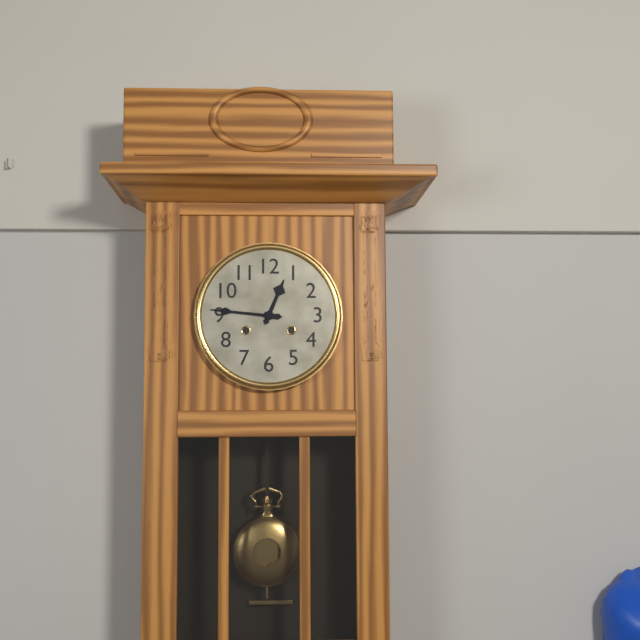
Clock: 12,46
